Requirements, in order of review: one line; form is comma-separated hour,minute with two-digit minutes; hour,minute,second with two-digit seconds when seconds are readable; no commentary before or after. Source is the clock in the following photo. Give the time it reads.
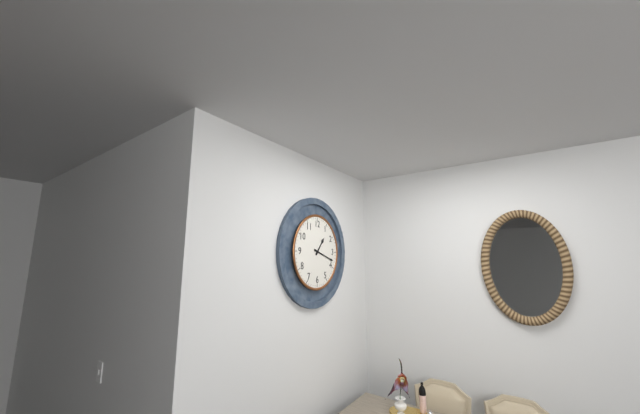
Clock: 1,18
